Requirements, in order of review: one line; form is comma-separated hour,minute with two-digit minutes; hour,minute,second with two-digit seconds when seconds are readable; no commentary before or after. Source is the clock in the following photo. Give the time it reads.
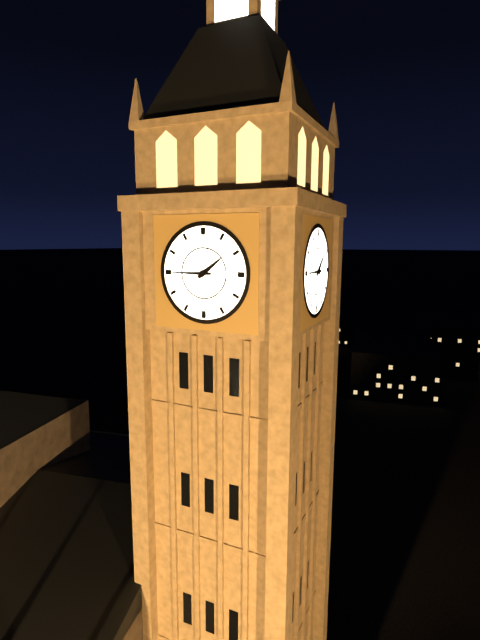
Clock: 1,45
